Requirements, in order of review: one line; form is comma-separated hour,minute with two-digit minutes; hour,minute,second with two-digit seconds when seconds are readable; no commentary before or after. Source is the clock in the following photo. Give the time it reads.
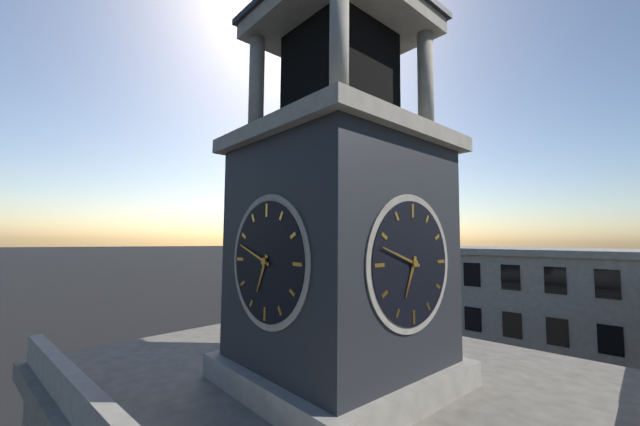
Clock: 6,48
